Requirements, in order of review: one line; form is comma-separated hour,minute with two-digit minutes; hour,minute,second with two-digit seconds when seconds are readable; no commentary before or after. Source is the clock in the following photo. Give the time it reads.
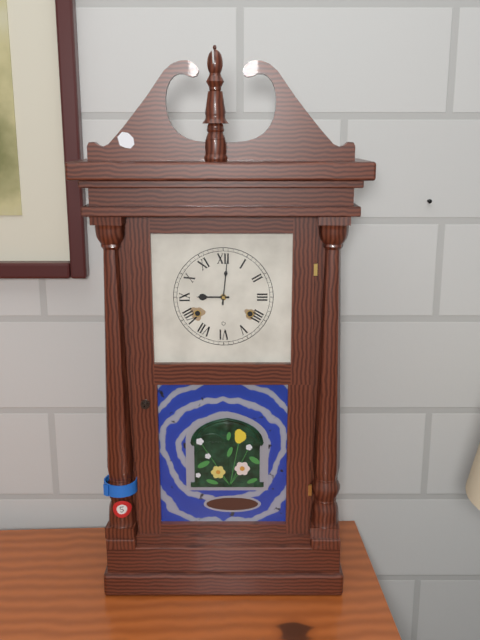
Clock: 9,01
